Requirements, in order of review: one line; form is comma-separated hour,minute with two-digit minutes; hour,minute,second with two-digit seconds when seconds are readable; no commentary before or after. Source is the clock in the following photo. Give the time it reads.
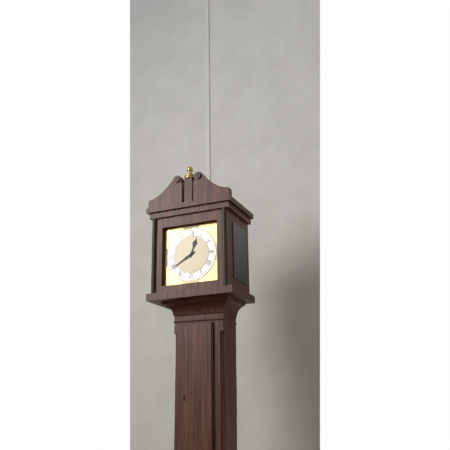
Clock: 12,40
